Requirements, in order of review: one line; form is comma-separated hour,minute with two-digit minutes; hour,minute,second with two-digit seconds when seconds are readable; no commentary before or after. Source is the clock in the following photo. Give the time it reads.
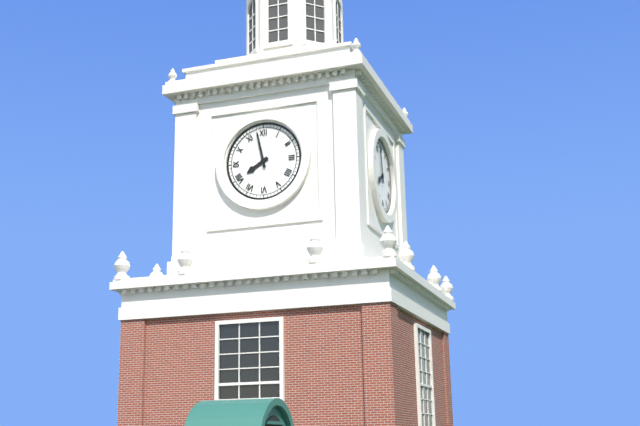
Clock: 7,58
